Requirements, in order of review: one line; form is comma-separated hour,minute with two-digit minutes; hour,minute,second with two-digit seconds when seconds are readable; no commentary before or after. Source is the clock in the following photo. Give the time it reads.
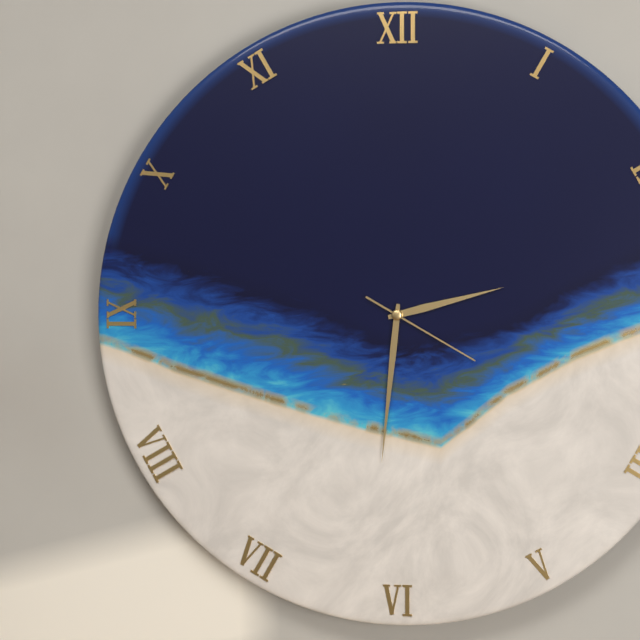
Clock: 2,31,20
